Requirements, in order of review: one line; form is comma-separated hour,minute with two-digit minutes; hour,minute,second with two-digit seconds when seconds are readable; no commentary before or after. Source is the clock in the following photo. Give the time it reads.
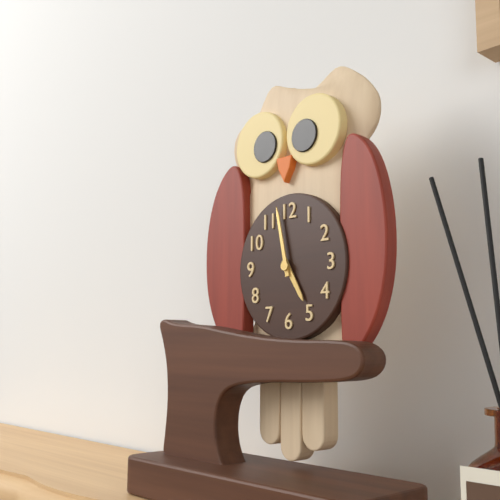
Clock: 4,58
